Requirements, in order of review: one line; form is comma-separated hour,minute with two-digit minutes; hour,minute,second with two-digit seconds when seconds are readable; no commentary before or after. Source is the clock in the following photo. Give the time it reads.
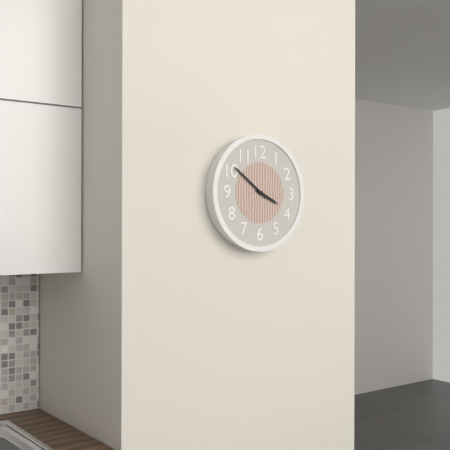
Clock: 3,51
